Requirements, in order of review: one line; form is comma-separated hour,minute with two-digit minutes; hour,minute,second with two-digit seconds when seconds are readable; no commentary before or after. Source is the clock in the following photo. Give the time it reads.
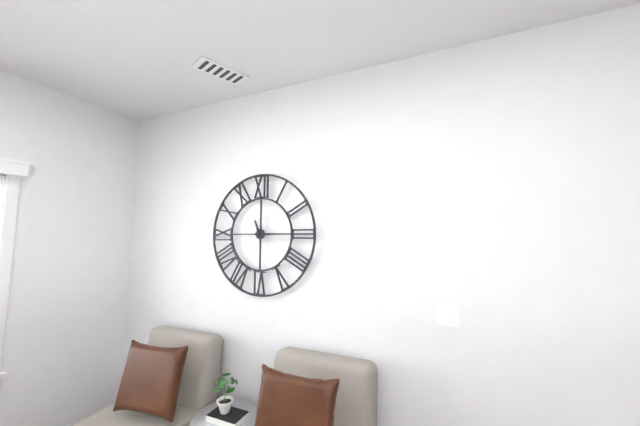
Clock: 11,15
